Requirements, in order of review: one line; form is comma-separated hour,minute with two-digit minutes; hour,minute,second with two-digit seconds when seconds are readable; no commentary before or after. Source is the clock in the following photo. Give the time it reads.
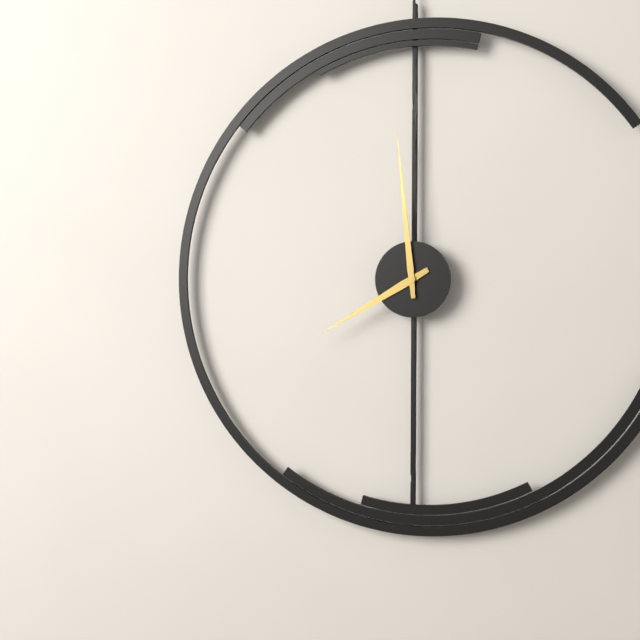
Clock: 7,59
